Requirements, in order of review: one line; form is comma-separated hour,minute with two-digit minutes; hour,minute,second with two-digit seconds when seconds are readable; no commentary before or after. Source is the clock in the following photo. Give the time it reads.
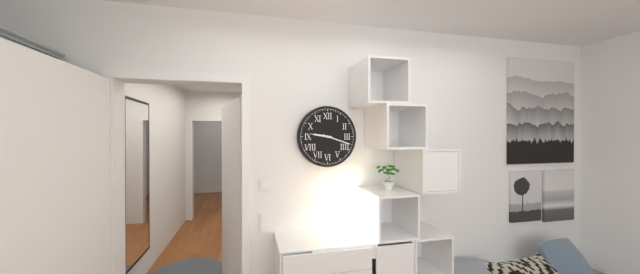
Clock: 9,18
